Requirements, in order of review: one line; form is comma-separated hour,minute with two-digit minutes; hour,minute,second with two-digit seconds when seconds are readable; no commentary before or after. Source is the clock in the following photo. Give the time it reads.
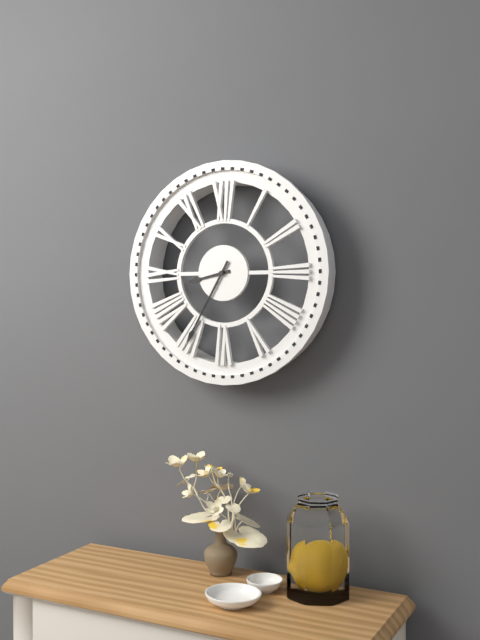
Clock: 8,35
